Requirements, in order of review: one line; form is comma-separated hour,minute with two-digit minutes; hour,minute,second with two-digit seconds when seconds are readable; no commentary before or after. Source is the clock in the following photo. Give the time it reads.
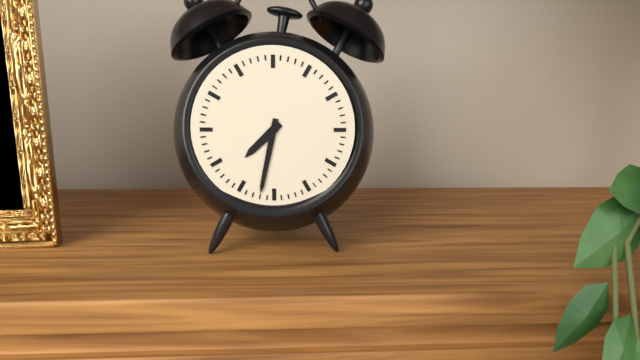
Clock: 7,32
